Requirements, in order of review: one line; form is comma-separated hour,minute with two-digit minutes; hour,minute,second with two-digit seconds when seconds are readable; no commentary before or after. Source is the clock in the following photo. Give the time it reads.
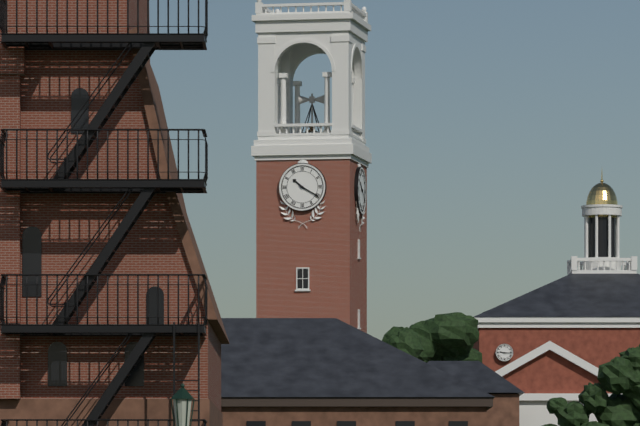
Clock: 10,20
